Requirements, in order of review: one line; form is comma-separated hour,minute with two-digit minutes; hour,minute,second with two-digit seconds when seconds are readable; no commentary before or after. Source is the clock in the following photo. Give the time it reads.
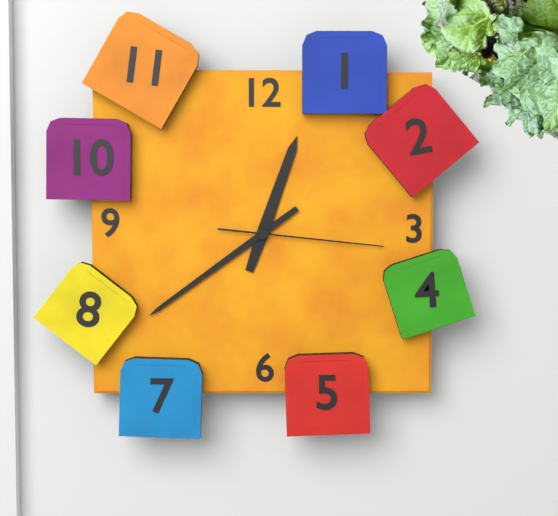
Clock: 12,39,16
